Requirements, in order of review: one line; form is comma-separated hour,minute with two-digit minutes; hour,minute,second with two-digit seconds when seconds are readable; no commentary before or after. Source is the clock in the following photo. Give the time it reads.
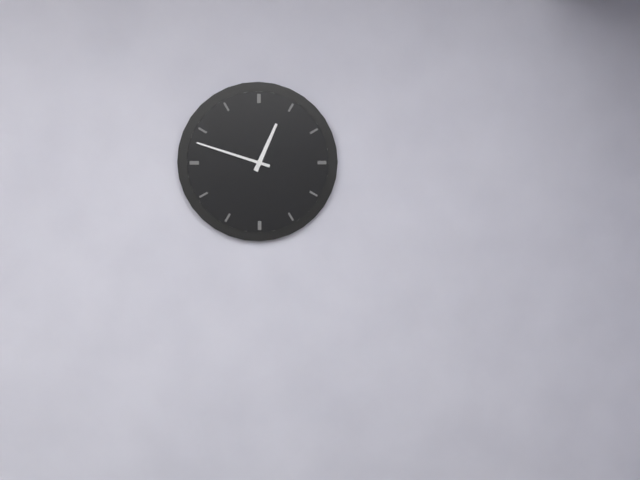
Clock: 12,48
